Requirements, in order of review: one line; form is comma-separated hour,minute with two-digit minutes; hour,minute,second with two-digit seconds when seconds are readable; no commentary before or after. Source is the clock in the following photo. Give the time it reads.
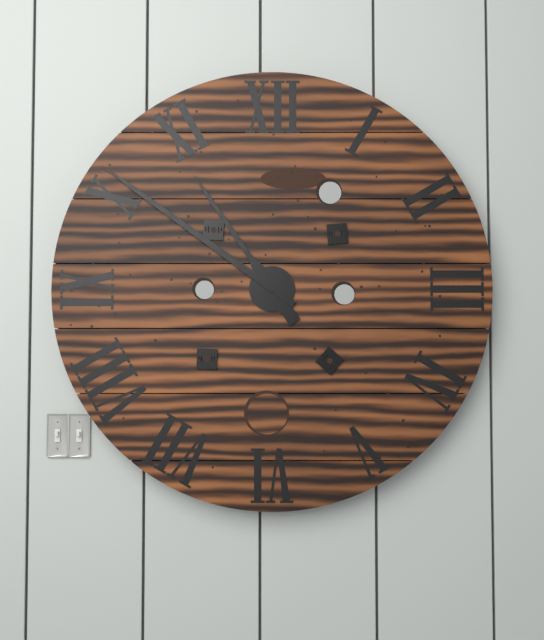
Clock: 10,51
